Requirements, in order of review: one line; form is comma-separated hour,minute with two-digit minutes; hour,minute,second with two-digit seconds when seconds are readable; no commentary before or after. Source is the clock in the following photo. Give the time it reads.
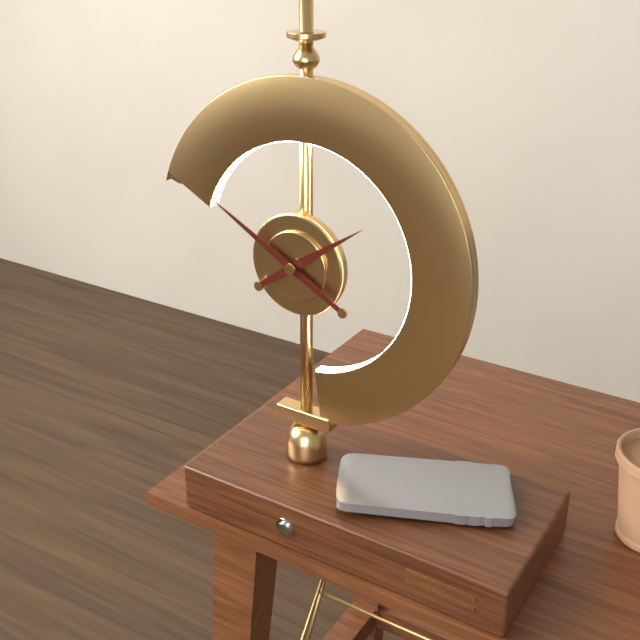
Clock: 1,50
